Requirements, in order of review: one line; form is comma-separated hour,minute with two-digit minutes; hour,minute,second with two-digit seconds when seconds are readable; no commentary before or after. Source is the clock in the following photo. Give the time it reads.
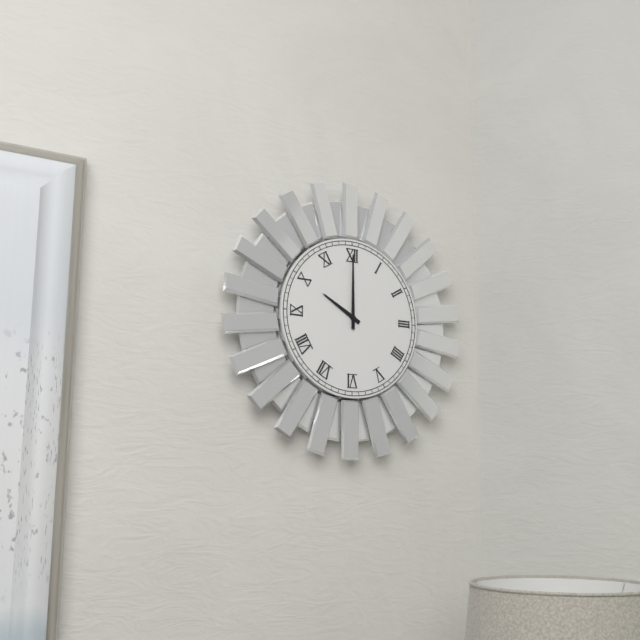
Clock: 10,00
